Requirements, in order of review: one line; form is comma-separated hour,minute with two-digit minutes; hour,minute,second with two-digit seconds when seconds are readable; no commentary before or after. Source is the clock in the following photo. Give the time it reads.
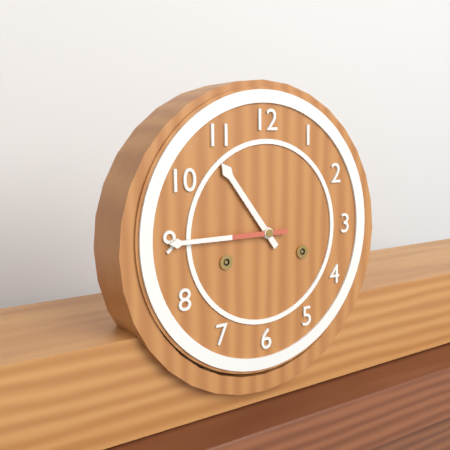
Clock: 10,45
